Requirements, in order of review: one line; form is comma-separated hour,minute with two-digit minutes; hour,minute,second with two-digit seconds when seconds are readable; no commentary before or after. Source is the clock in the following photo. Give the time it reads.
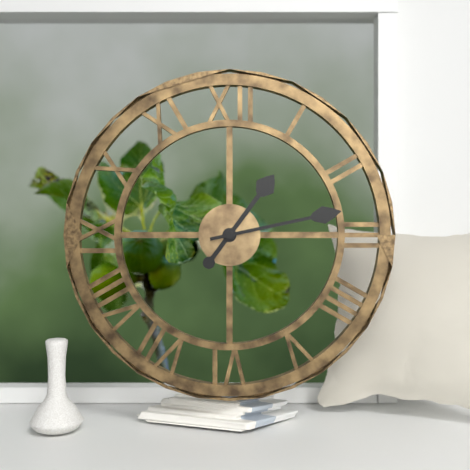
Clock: 1,13
